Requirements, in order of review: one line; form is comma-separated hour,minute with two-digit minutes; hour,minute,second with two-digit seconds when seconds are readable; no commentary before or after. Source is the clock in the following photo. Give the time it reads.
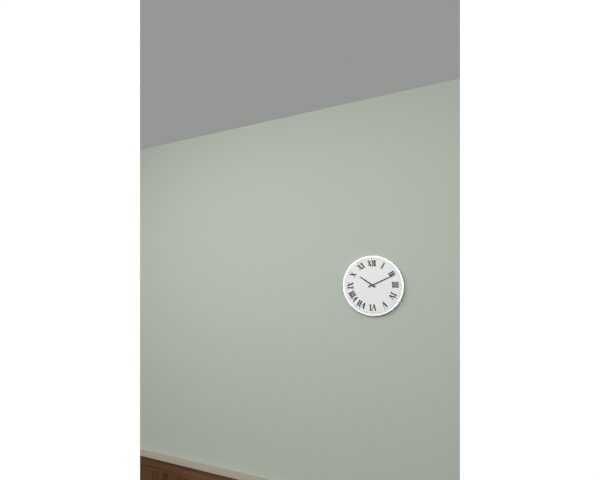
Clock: 10,11
